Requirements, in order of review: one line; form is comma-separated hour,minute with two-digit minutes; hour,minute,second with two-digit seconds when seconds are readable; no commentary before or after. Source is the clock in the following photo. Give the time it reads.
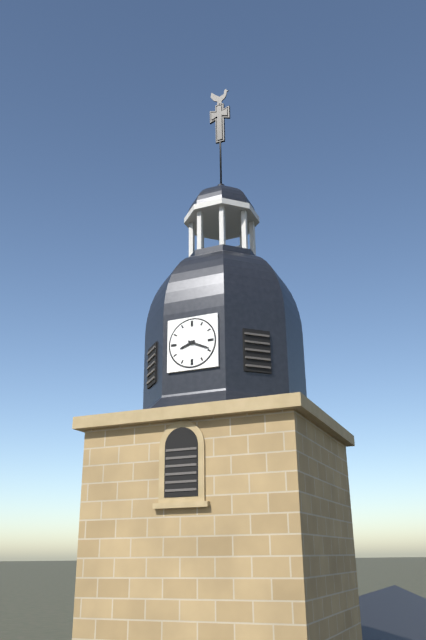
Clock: 8,19
